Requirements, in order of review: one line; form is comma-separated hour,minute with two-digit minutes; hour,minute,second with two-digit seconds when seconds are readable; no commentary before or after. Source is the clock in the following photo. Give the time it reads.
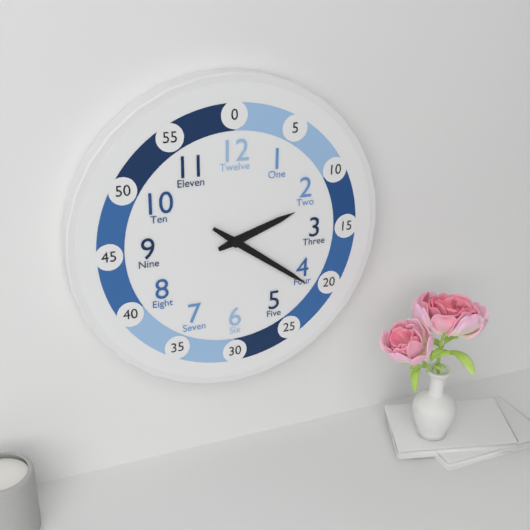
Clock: 2,21
